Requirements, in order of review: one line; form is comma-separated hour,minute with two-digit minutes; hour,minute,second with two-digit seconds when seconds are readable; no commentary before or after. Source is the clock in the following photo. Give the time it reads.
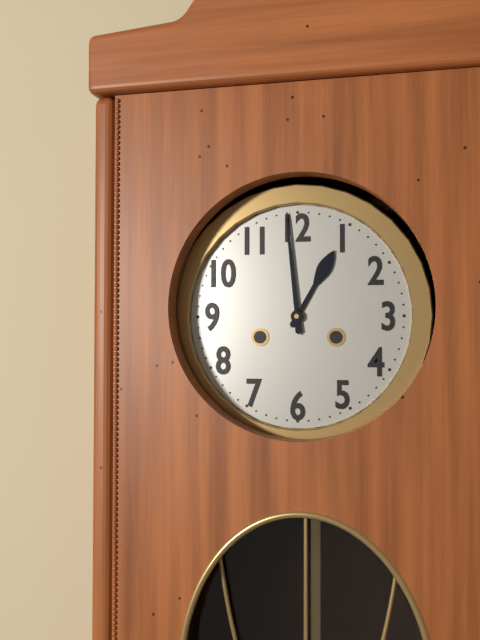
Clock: 12,59
